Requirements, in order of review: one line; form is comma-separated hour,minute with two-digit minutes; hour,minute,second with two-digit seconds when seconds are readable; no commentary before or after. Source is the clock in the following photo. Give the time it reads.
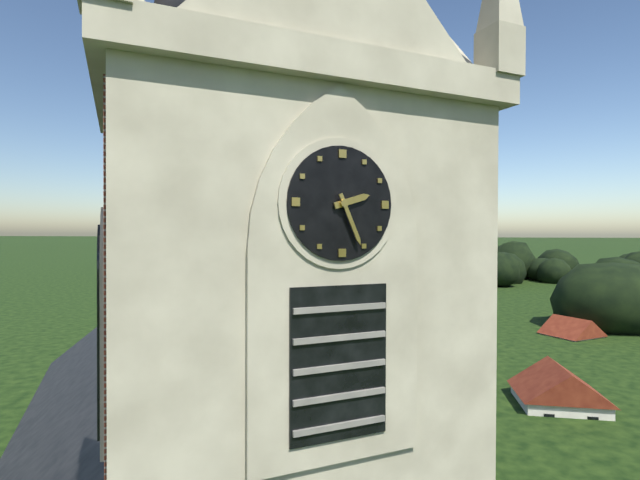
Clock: 2,26
